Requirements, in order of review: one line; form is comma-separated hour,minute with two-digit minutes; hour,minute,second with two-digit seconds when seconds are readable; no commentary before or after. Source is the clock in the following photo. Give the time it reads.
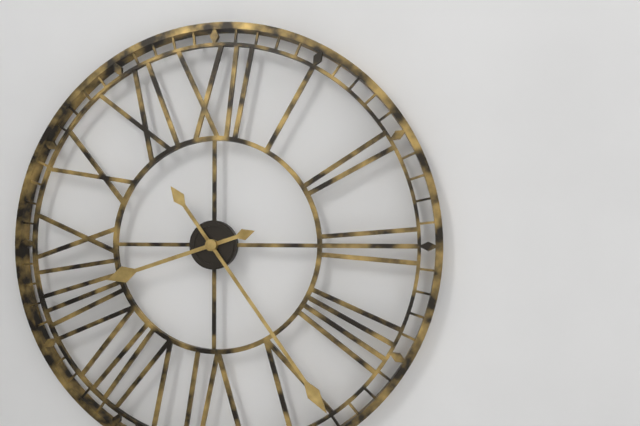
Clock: 8,24
